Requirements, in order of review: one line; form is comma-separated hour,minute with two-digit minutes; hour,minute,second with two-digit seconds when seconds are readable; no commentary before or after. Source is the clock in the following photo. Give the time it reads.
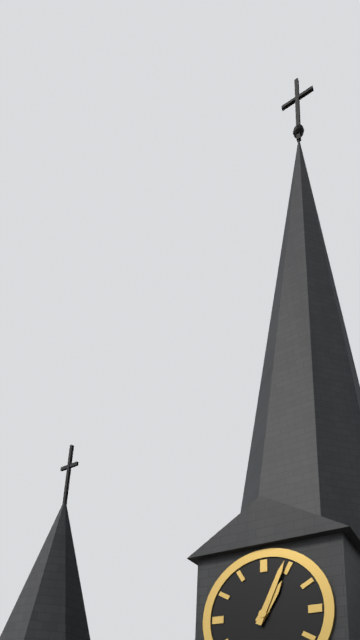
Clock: 1,04
